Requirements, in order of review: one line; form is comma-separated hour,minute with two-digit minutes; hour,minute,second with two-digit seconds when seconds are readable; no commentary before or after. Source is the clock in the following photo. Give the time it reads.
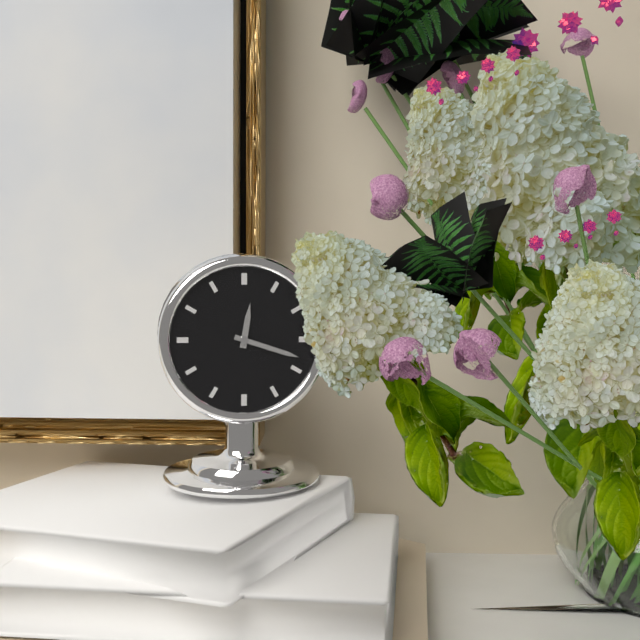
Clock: 12,18
